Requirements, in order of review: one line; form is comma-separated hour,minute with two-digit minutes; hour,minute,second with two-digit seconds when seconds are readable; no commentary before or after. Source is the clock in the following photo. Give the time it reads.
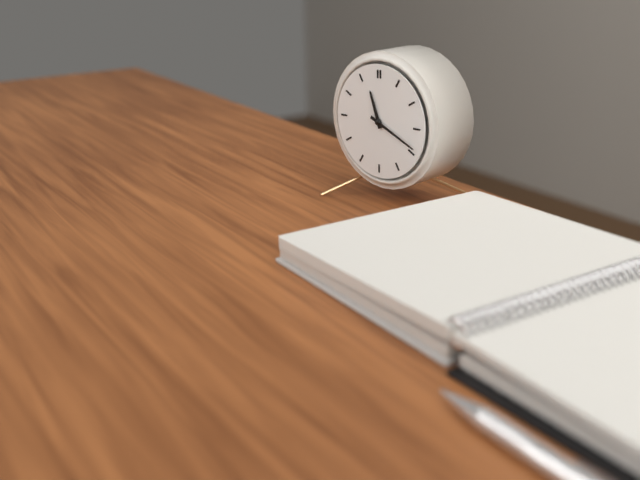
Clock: 11,19
